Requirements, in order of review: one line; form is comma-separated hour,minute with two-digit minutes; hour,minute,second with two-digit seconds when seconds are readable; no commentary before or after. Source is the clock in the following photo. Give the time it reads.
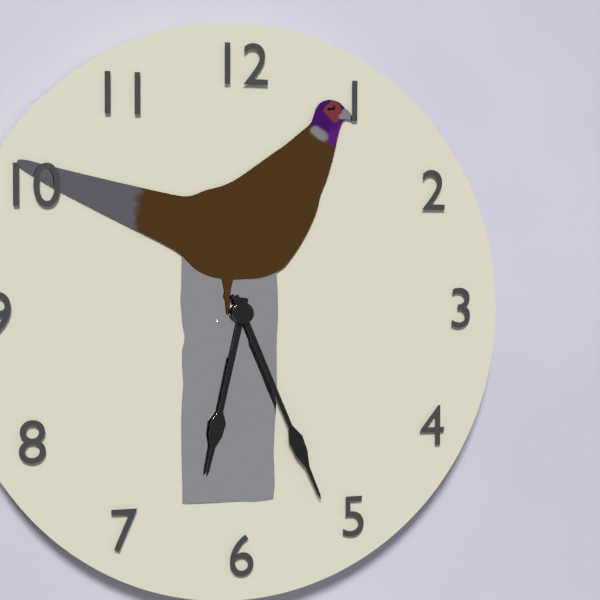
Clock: 6,26
